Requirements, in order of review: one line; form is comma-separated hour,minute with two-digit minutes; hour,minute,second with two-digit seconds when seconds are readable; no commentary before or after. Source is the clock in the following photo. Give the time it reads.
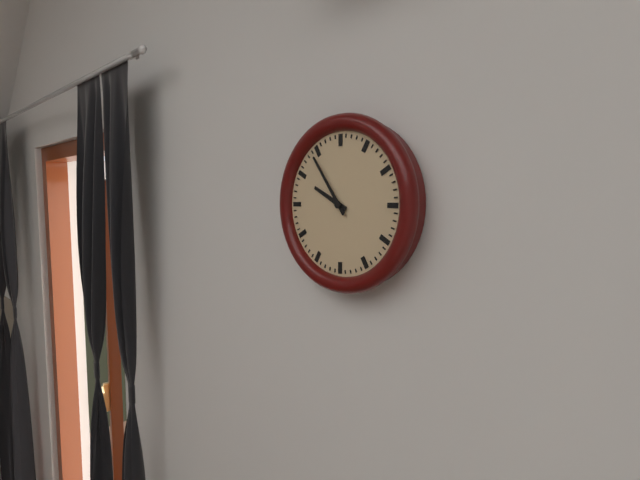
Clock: 9,54
